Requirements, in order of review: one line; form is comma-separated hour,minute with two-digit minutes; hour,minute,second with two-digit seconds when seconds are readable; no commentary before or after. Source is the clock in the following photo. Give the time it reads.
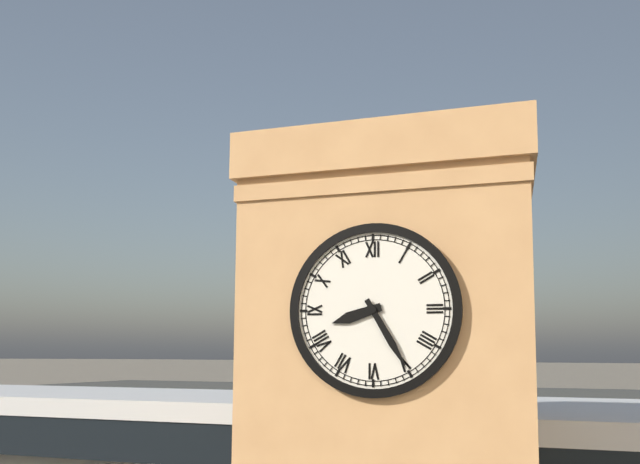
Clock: 8,25
